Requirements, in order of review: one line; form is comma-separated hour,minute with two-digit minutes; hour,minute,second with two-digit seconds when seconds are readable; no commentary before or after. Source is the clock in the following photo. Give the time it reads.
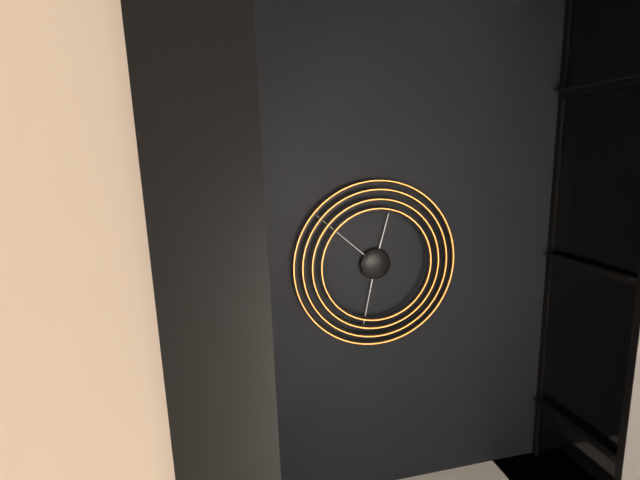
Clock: 12,32,52
